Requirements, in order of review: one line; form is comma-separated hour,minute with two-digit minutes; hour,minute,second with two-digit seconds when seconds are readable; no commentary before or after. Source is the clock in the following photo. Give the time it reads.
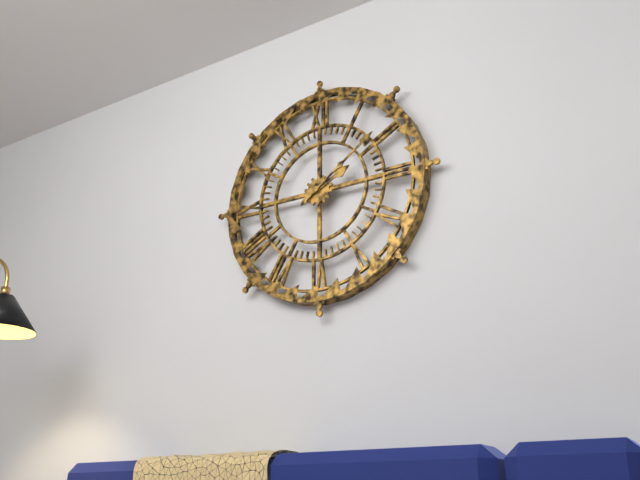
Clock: 2,09
